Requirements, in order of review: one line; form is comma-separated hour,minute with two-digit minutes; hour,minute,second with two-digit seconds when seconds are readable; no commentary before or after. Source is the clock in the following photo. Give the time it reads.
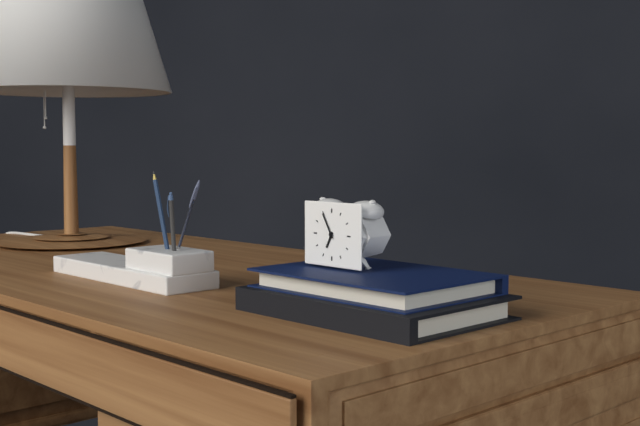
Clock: 6,55
